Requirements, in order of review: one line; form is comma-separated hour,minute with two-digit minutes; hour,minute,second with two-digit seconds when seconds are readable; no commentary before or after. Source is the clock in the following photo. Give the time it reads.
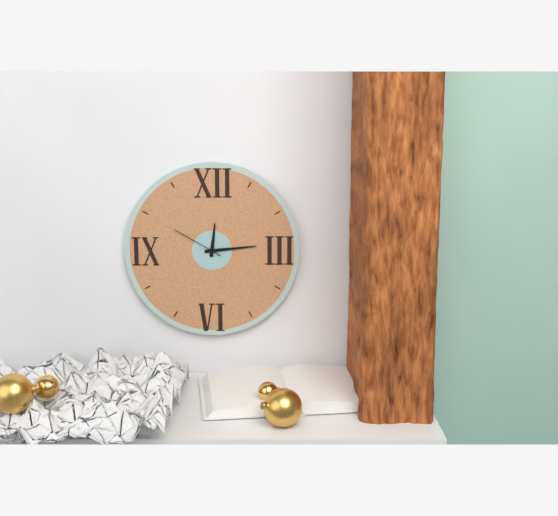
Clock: 12,14,50
